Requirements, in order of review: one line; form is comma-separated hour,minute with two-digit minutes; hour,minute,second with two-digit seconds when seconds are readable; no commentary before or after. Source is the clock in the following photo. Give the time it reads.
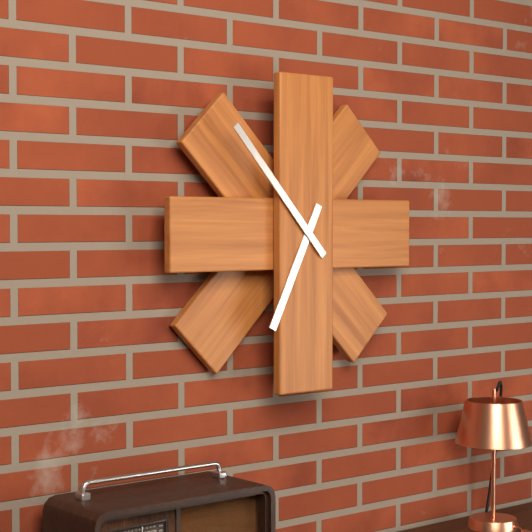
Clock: 6,53
